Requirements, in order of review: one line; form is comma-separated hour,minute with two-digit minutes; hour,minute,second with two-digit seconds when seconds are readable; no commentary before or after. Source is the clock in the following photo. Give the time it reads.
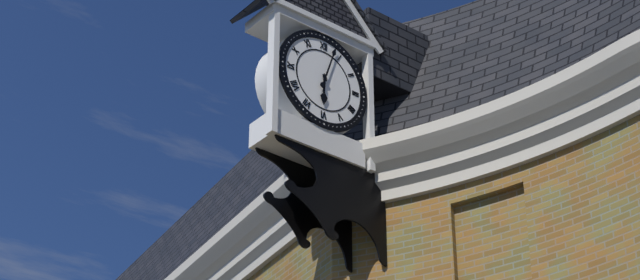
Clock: 6,03
